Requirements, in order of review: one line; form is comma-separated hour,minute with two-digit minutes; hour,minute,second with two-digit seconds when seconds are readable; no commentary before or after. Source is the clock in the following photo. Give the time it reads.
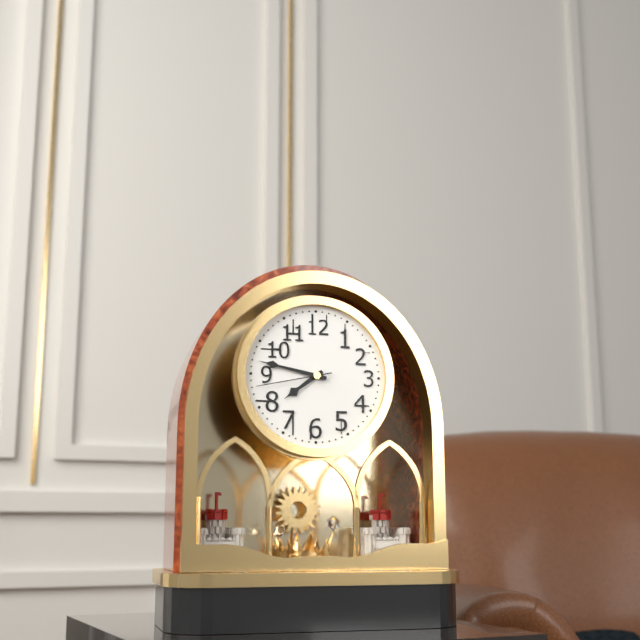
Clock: 7,47,43
